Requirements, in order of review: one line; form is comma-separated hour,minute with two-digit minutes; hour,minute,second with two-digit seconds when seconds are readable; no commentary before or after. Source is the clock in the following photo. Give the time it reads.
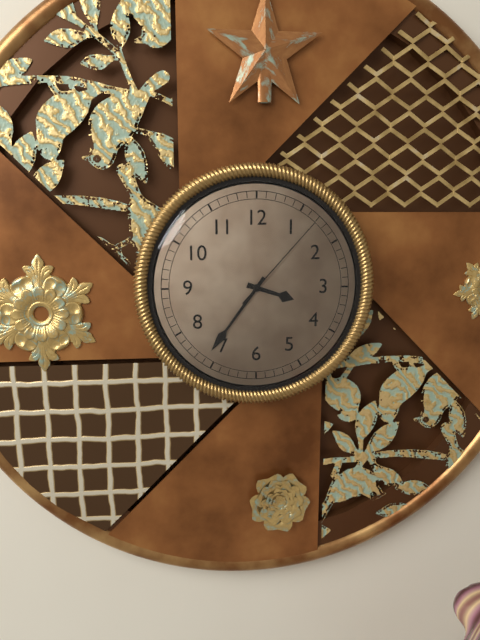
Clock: 3,36,07
